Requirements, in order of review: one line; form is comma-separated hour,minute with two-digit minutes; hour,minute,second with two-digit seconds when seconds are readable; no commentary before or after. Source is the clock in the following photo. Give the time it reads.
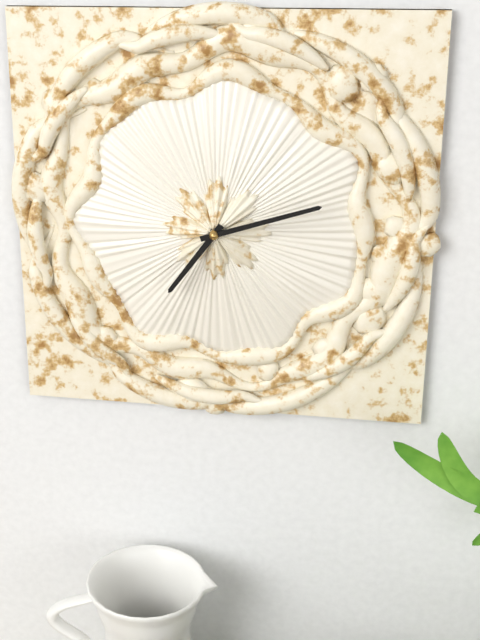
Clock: 7,12
